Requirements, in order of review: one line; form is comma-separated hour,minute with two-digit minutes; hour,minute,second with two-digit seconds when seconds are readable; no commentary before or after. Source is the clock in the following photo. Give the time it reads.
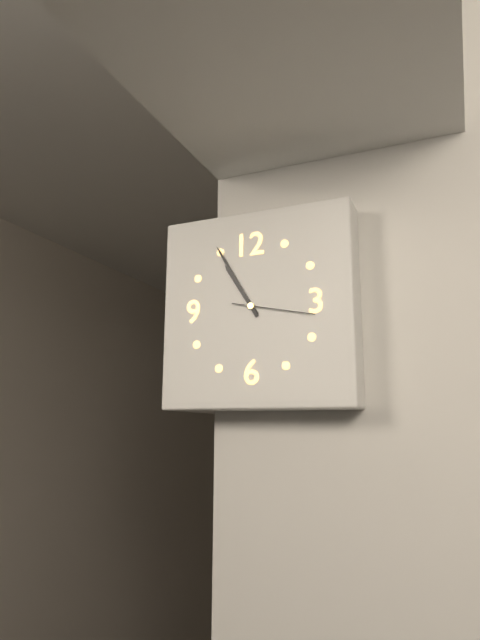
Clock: 10,55,17
